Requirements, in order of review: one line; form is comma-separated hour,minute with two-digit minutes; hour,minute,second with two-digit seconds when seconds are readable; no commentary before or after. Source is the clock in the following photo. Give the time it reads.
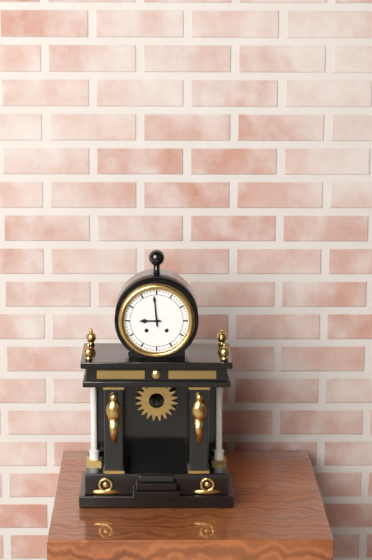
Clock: 8,59
